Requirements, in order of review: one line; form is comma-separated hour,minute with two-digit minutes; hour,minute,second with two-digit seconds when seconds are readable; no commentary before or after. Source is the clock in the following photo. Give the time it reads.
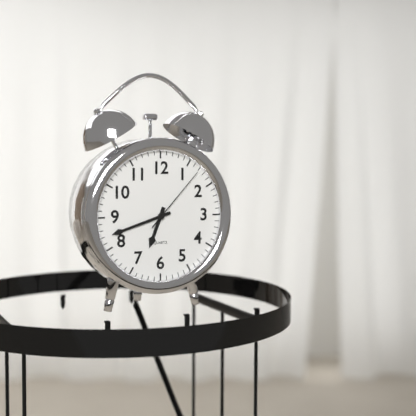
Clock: 6,42,07
